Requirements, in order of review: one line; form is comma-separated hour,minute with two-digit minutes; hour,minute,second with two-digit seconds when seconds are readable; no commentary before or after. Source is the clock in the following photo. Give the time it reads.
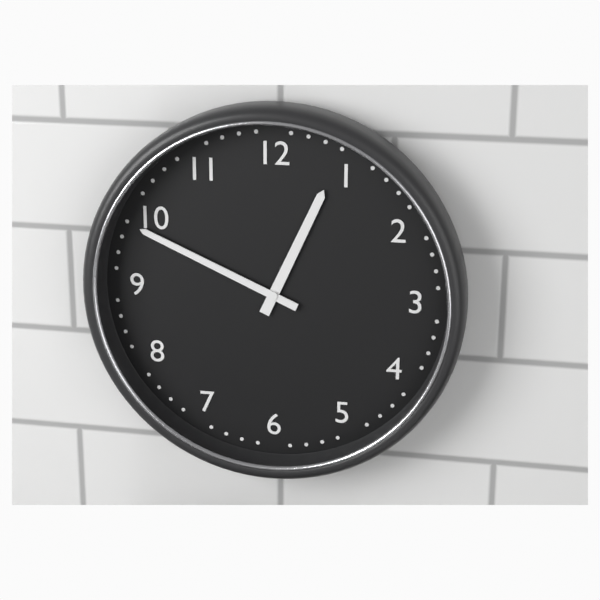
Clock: 12,49
